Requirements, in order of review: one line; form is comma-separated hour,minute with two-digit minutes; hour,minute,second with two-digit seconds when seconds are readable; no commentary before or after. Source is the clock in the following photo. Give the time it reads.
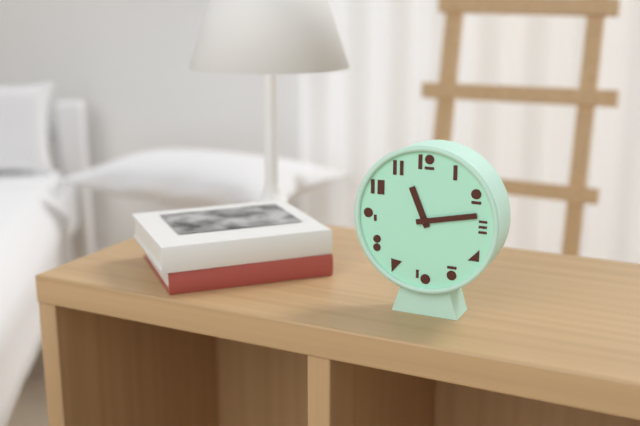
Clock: 11,13
